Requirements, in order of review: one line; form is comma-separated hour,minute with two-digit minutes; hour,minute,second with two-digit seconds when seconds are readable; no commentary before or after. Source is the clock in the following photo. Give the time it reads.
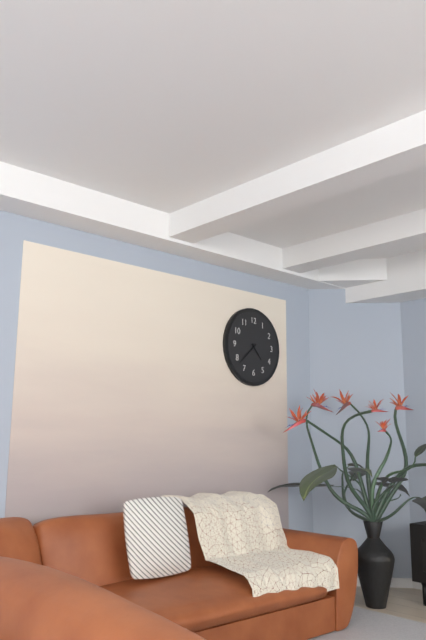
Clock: 4,38
